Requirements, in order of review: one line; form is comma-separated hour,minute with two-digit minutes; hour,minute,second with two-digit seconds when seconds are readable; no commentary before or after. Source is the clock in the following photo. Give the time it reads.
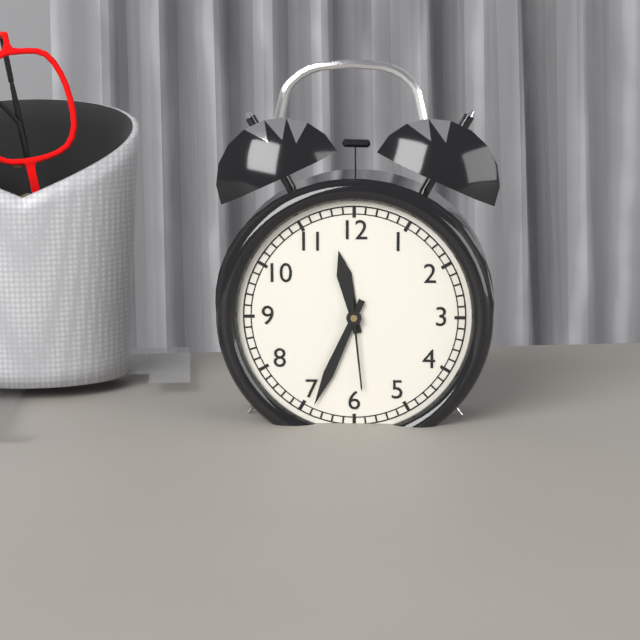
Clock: 11,34,29
